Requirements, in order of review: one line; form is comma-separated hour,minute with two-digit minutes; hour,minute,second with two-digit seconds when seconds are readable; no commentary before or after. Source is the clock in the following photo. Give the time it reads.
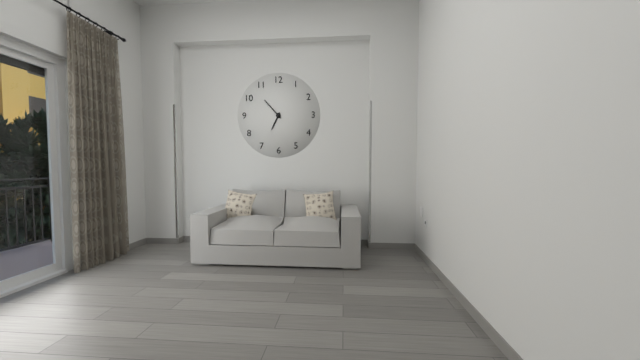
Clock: 6,53
